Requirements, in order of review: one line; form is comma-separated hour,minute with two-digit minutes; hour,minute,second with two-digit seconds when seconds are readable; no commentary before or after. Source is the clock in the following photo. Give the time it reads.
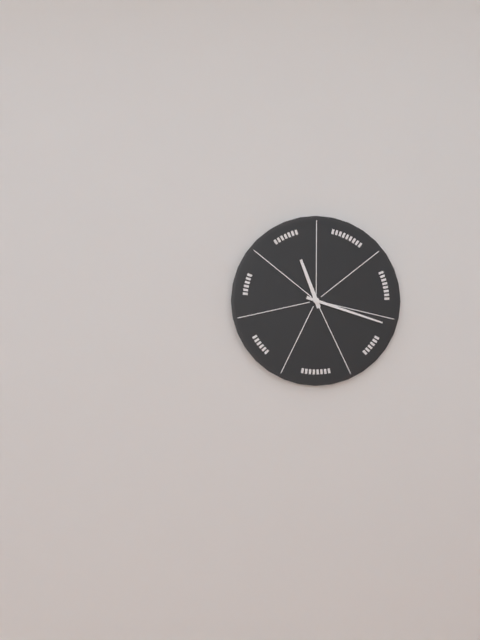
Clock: 11,18
